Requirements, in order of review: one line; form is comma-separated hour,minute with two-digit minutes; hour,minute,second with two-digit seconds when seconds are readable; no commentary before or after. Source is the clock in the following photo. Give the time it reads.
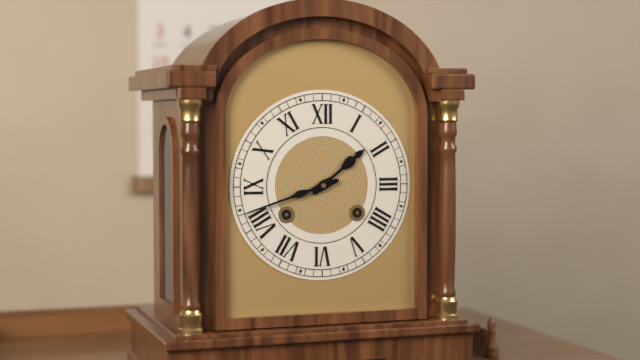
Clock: 1,42
